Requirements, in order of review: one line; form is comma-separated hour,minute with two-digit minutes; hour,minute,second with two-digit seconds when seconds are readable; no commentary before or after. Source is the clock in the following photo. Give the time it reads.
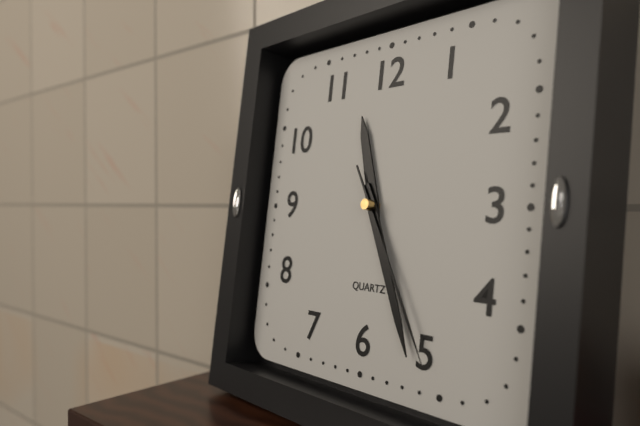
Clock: 11,26,25
